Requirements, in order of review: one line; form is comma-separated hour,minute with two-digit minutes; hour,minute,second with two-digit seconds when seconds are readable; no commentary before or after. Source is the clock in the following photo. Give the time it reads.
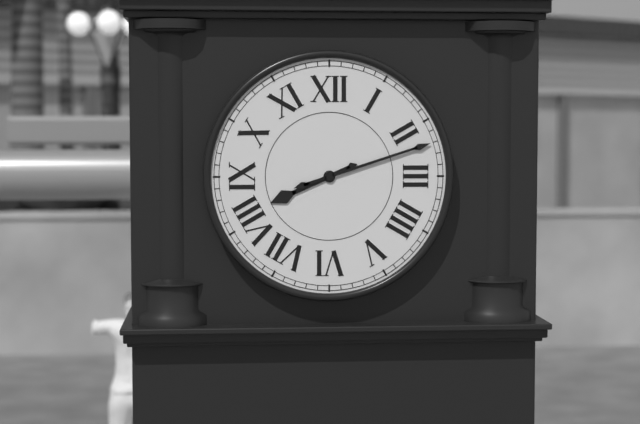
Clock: 8,12
